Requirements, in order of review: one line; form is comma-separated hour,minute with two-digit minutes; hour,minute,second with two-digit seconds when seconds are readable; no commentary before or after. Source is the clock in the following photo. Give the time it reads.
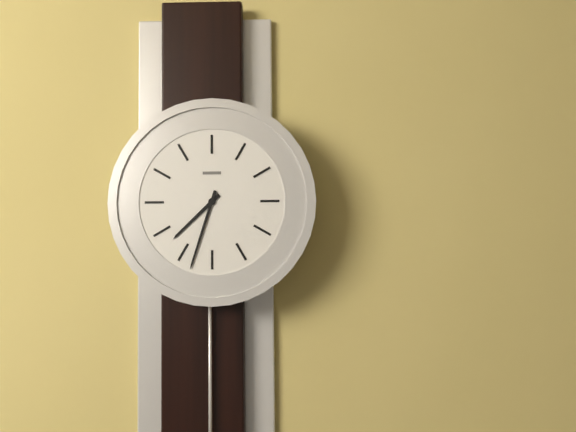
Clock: 7,33
